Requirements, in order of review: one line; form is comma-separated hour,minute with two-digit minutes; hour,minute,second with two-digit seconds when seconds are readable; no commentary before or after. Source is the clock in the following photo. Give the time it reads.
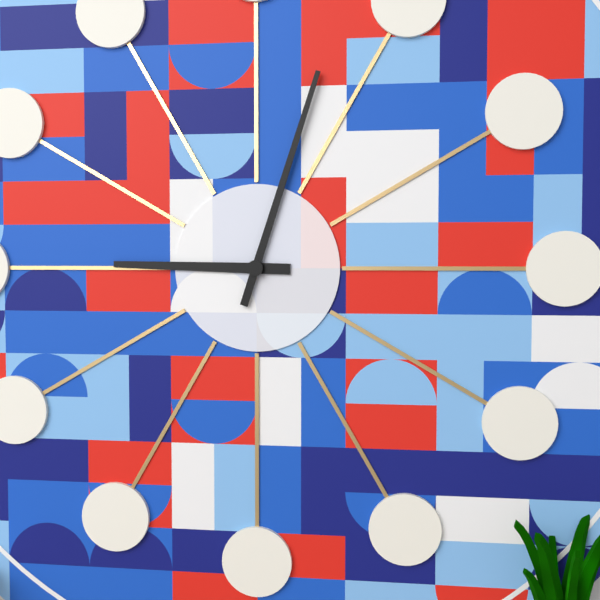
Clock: 9,03
